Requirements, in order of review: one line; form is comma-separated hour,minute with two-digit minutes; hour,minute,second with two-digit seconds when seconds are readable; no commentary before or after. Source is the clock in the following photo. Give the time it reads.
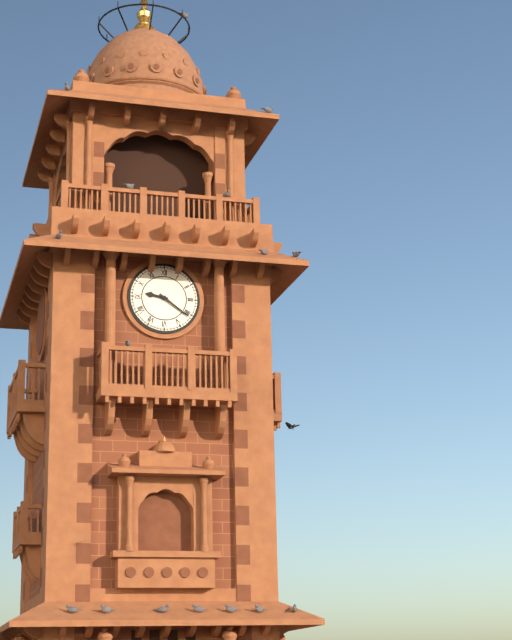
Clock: 9,21
